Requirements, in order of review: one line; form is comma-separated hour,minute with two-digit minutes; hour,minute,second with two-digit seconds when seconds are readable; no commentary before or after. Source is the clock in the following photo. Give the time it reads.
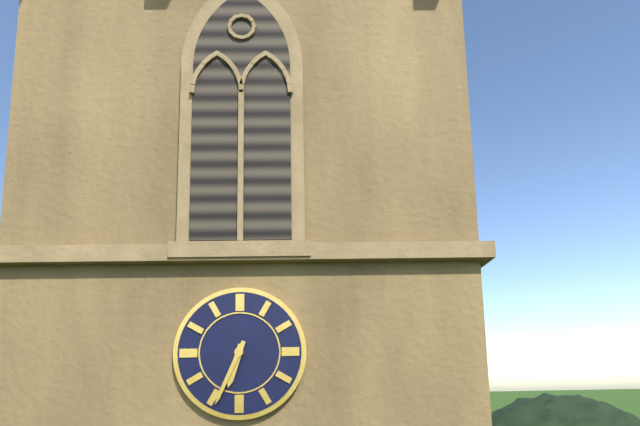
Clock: 6,34
